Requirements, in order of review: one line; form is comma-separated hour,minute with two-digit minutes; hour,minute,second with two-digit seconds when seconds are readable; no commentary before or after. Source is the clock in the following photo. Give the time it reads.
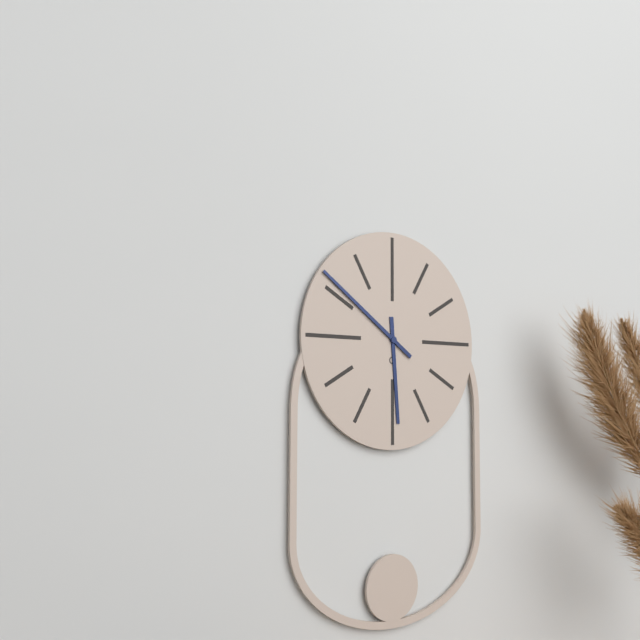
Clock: 5,51
